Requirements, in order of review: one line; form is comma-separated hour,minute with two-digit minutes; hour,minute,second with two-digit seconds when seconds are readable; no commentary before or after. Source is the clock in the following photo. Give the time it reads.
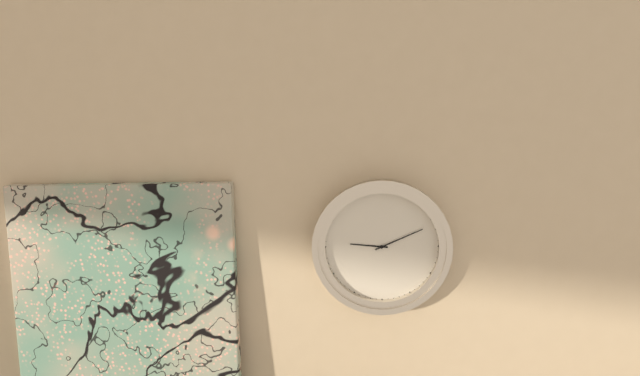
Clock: 9,11
